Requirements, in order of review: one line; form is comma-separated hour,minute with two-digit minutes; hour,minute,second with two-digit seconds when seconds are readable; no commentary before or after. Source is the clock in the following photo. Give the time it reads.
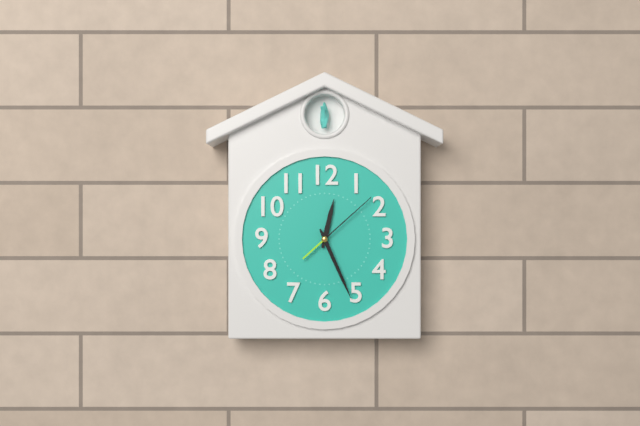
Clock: 12,26,08
